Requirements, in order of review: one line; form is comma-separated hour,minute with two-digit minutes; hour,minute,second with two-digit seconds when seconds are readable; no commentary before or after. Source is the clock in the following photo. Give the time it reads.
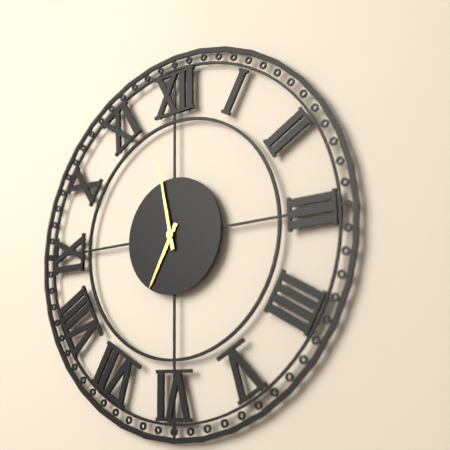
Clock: 6,58
